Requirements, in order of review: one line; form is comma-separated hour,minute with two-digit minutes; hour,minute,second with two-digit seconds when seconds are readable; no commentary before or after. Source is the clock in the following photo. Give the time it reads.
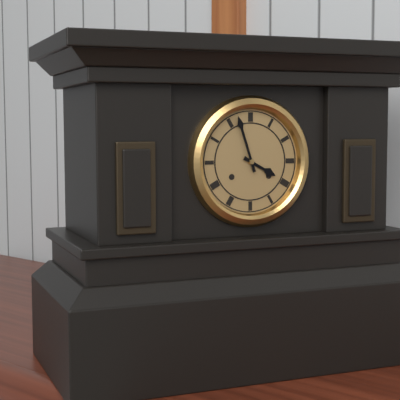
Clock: 3,57
